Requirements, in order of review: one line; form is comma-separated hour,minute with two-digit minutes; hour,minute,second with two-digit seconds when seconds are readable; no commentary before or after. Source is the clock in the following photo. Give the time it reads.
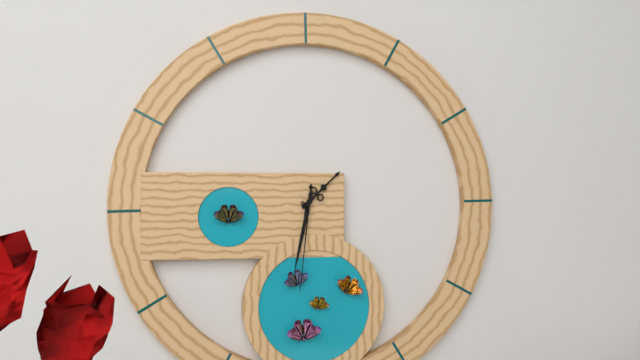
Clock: 1,32,31
